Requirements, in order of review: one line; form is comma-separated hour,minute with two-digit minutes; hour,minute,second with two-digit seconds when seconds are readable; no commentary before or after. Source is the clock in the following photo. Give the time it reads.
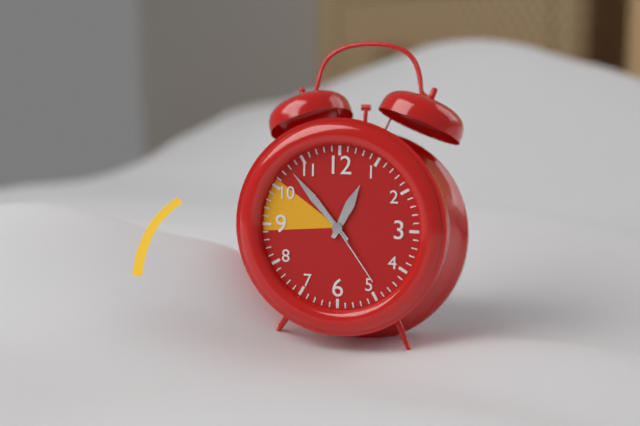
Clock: 12,53,24
